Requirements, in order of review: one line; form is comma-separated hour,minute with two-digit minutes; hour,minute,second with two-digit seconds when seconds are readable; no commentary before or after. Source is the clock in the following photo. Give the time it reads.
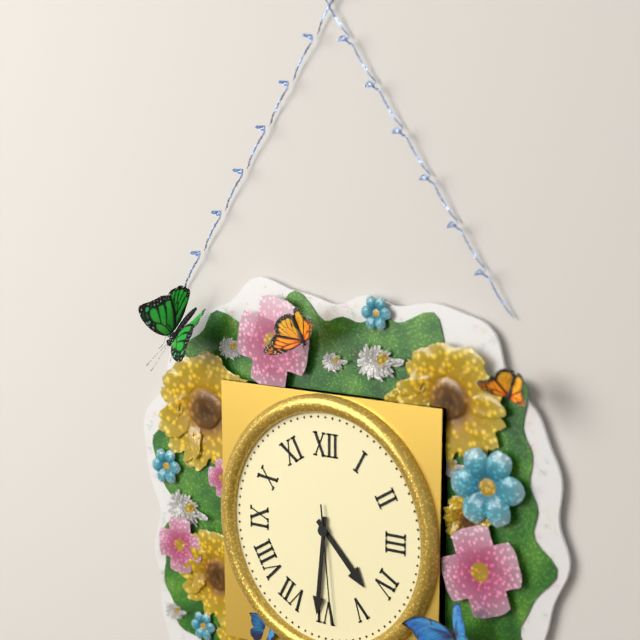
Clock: 4,31,29
